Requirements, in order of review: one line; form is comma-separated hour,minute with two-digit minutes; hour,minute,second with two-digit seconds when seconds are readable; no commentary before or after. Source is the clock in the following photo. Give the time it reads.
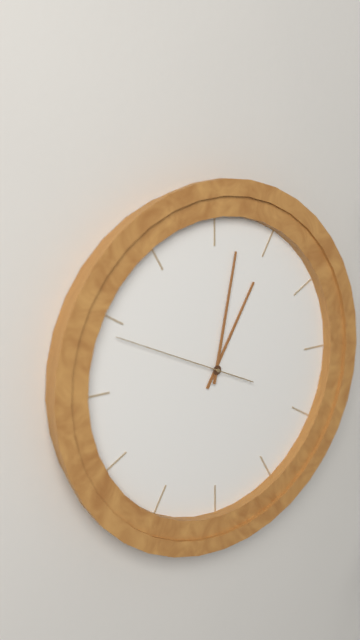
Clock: 1,02,49
